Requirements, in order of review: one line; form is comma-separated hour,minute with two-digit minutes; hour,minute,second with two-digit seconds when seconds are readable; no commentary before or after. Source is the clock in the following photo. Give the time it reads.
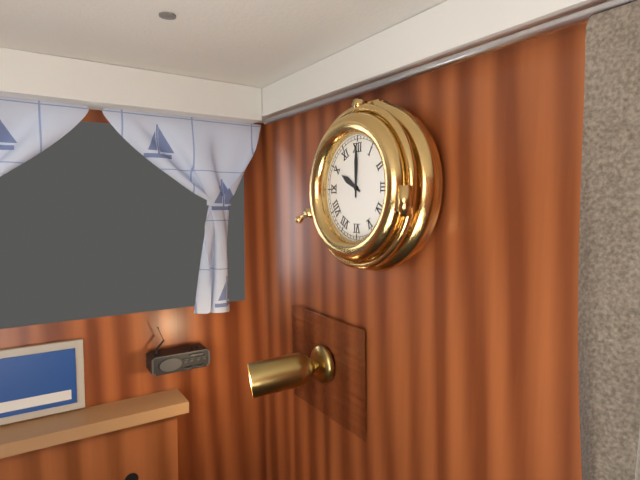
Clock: 10,00
